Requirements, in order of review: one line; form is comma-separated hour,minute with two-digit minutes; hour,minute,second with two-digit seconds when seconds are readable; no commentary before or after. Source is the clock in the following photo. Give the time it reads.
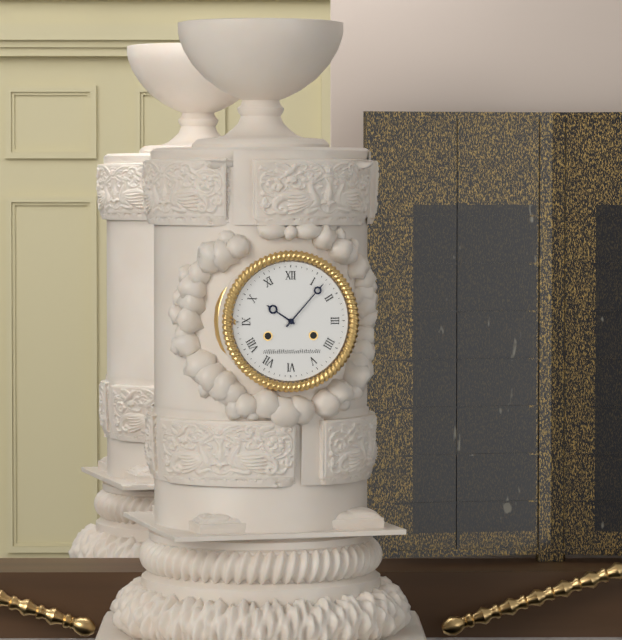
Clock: 10,07
